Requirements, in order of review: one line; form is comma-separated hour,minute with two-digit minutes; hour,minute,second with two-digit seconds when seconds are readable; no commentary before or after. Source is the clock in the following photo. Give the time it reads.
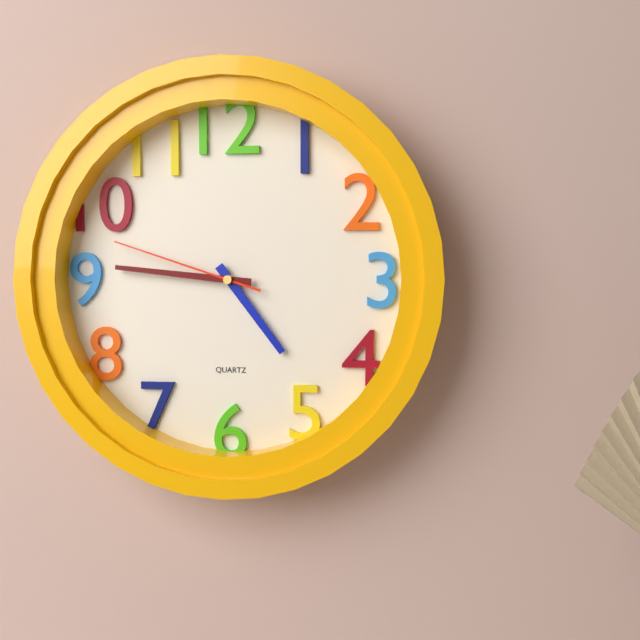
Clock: 4,46,48
